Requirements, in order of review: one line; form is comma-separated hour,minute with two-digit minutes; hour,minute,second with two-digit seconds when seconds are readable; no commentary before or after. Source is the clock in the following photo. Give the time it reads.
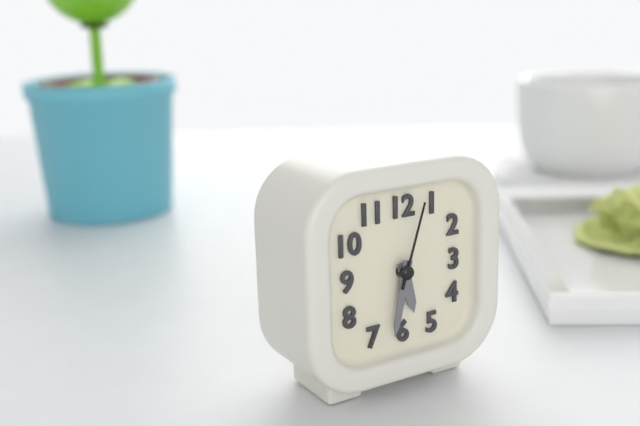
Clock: 5,32,03
